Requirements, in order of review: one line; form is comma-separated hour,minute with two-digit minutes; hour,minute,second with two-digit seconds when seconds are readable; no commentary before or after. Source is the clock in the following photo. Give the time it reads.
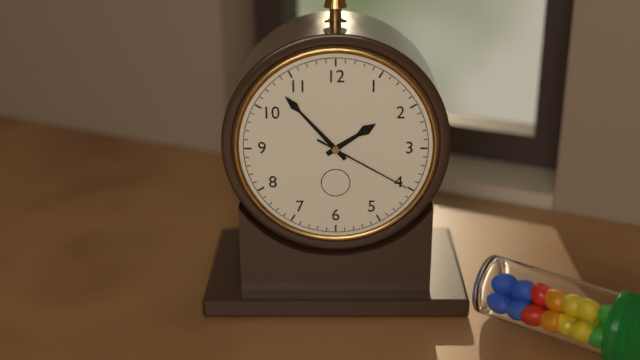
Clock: 1,53,20
